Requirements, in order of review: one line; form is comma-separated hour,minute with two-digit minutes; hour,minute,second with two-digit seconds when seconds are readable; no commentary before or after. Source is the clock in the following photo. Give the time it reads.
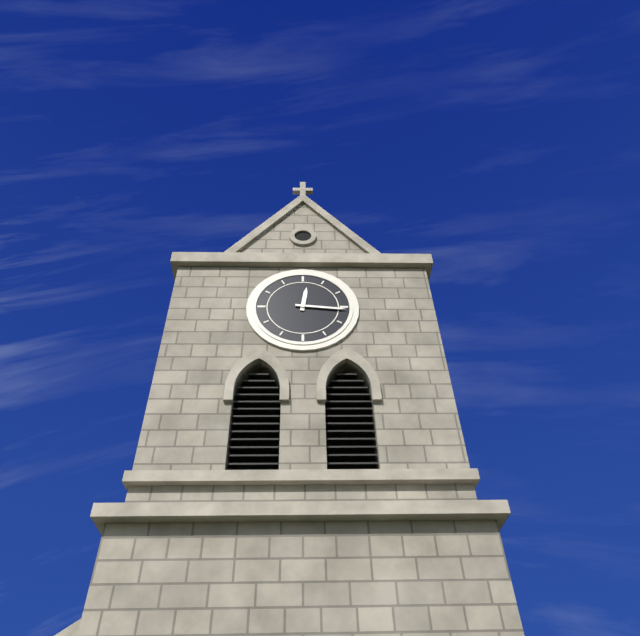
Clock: 12,16
